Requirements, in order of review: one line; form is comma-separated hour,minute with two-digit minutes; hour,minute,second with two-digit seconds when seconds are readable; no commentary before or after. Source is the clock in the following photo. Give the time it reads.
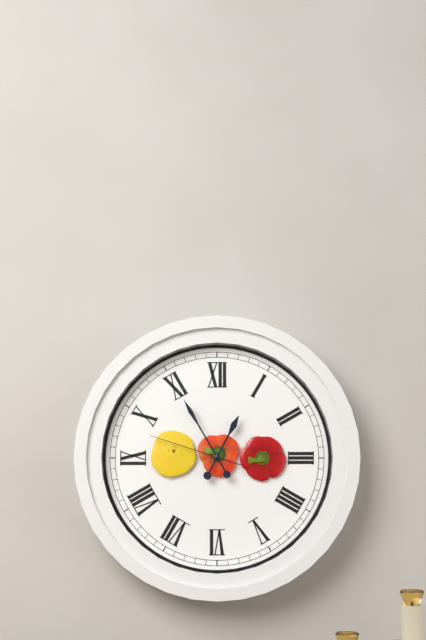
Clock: 12,55,48
